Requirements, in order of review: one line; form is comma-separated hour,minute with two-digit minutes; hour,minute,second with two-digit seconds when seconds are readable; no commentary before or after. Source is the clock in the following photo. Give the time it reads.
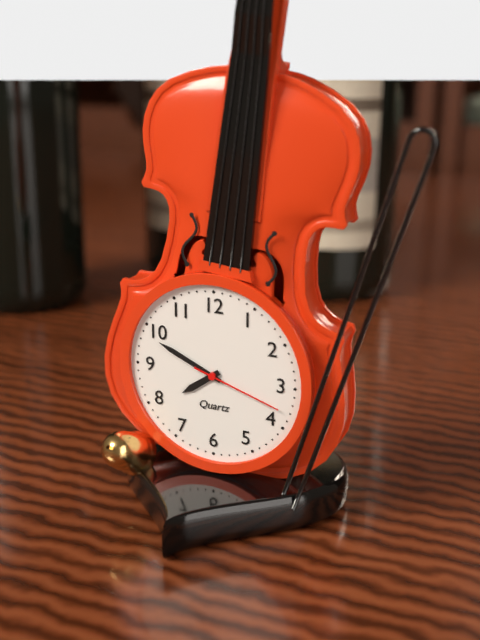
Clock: 7,49,18
